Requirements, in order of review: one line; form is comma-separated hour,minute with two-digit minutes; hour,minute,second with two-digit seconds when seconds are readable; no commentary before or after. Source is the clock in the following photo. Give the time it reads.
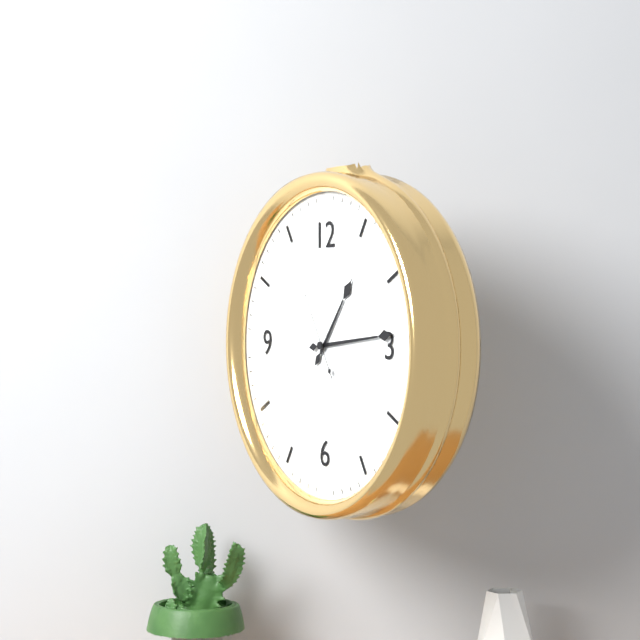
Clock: 1,14,55
